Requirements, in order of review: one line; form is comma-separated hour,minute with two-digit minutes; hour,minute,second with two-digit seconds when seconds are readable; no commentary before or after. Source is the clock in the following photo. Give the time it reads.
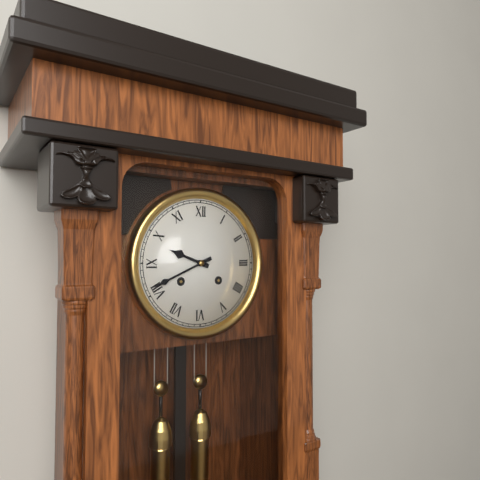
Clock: 9,41
